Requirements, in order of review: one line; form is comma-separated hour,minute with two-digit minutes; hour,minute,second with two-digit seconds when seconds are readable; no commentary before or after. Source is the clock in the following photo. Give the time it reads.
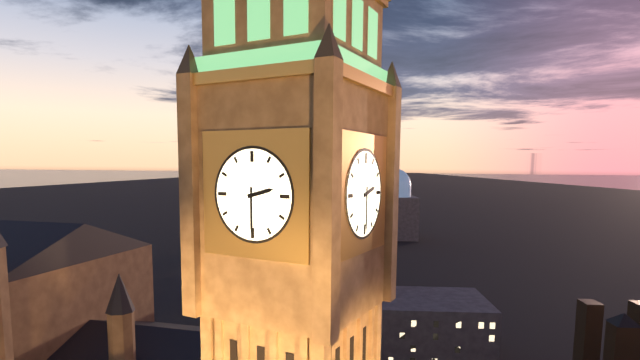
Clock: 2,30
